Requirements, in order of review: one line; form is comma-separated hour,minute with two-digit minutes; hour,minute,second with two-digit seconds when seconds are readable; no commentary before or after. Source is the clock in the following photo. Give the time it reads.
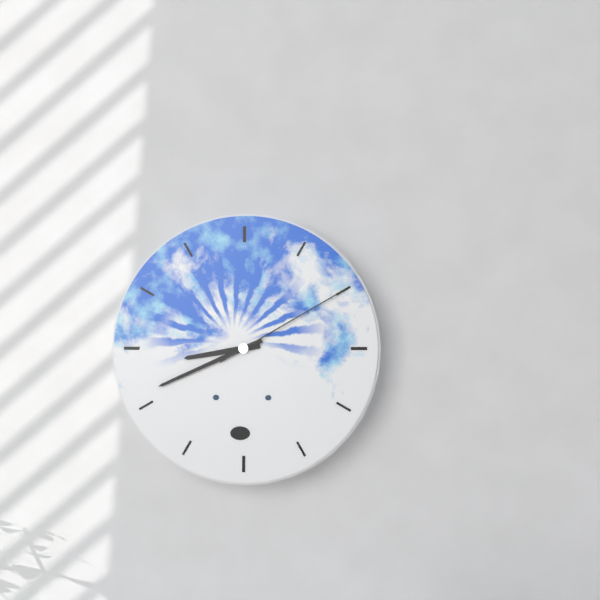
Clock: 8,41,10
